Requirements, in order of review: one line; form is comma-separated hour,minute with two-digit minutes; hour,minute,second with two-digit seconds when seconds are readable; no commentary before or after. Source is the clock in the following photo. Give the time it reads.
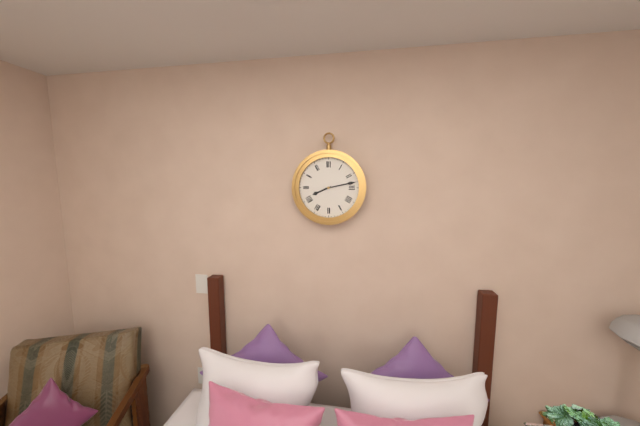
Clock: 8,13
